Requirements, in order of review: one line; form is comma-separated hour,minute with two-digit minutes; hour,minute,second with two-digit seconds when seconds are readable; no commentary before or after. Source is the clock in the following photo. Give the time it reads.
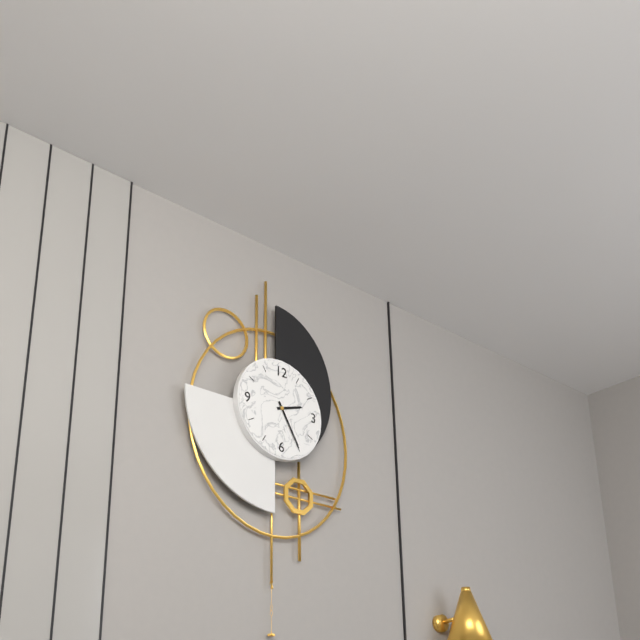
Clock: 2,25
